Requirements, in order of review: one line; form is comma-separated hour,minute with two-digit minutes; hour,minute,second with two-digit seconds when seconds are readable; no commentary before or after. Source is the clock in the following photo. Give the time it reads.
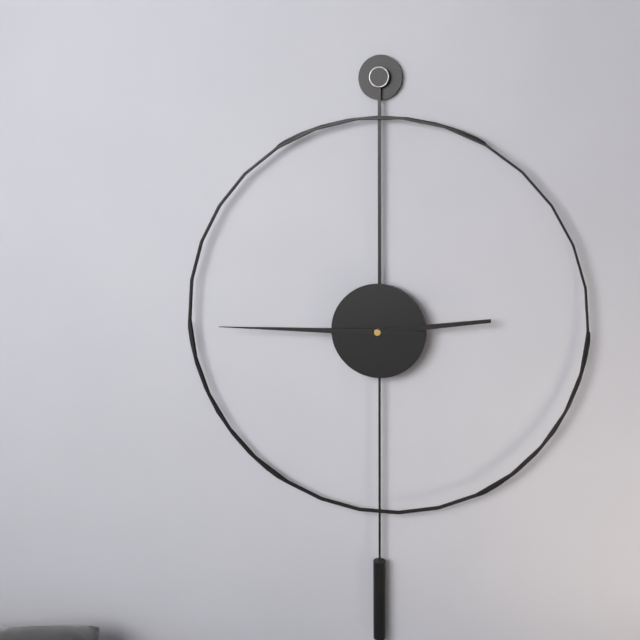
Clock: 2,45
